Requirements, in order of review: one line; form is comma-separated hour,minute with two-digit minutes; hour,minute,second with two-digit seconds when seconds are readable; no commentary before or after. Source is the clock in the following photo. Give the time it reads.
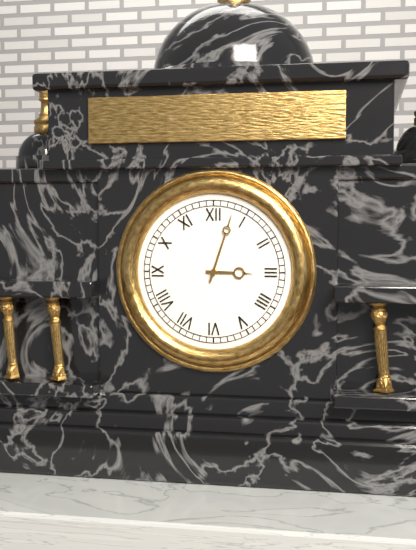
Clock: 3,03
